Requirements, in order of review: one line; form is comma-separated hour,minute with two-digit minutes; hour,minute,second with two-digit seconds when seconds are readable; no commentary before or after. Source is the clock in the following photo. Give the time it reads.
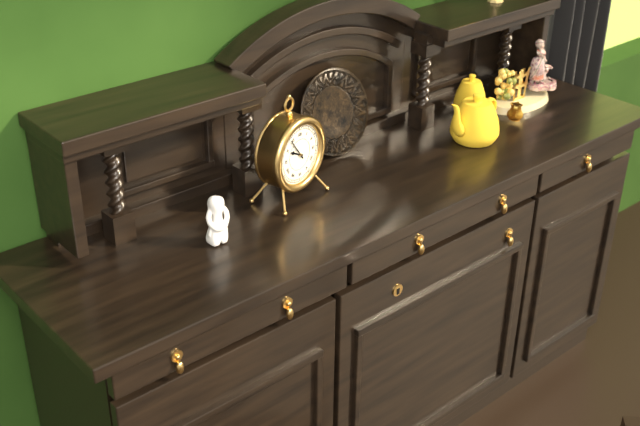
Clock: 9,54
